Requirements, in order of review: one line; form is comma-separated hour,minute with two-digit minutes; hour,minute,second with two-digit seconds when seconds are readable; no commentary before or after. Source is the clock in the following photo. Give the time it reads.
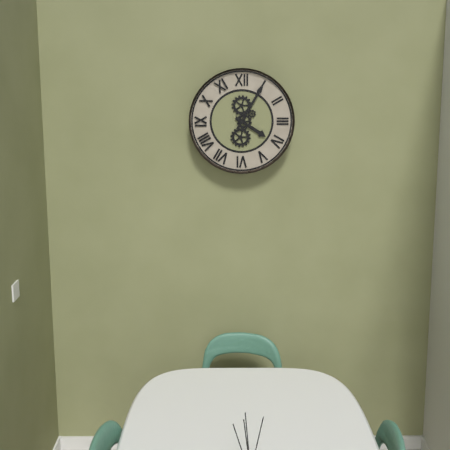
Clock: 4,05
